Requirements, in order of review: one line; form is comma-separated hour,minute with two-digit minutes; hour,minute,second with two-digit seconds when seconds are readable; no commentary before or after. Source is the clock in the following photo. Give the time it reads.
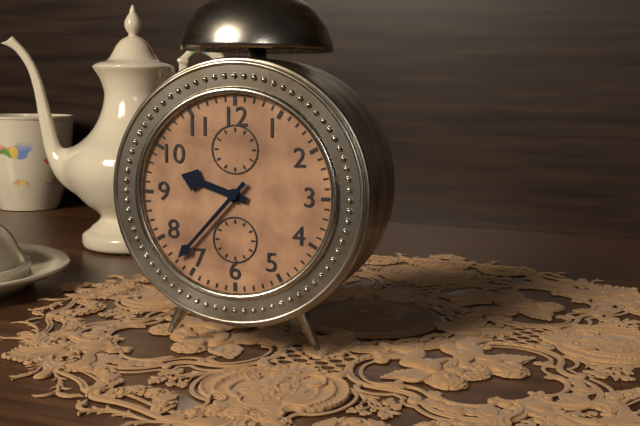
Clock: 9,37
